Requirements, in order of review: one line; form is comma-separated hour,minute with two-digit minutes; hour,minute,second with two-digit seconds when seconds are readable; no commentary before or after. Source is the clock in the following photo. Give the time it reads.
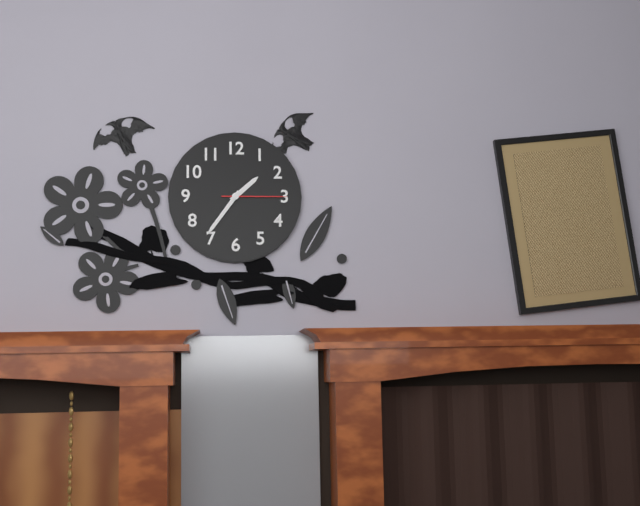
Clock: 1,36,15
